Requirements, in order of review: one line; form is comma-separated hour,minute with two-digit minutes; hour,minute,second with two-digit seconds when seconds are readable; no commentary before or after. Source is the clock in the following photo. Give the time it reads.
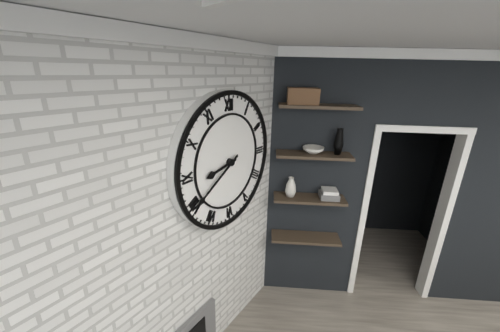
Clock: 8,40
